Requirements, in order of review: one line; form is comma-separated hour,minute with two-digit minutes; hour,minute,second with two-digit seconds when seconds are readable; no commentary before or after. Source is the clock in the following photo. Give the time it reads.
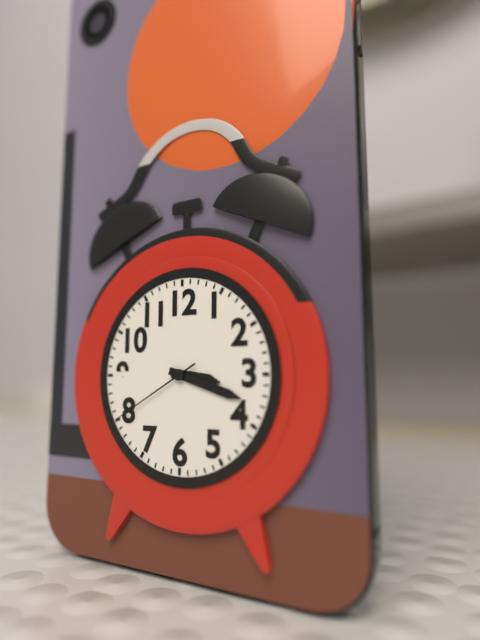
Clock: 3,18,40
